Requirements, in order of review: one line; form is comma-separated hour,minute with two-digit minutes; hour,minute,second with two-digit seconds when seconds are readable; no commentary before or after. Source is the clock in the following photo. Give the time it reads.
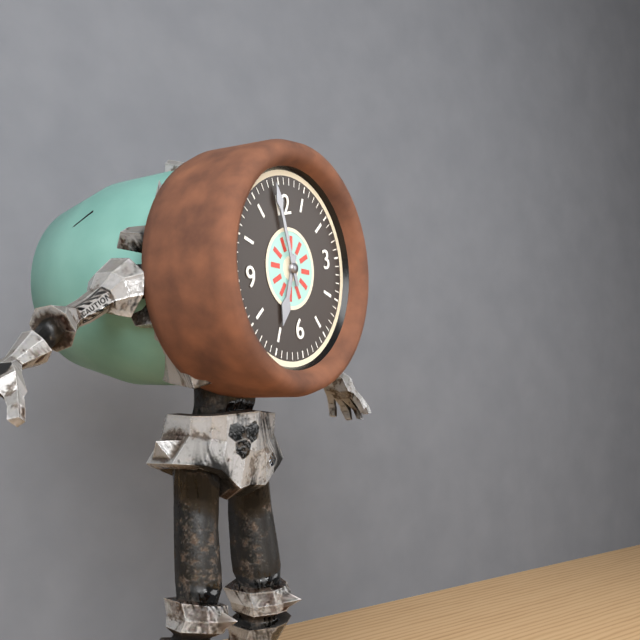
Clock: 6,59
